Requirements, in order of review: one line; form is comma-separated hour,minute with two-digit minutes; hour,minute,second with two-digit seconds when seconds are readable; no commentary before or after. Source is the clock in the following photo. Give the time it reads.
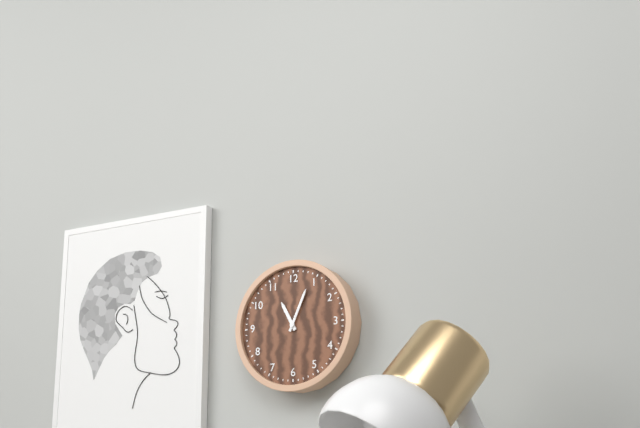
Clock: 11,04
